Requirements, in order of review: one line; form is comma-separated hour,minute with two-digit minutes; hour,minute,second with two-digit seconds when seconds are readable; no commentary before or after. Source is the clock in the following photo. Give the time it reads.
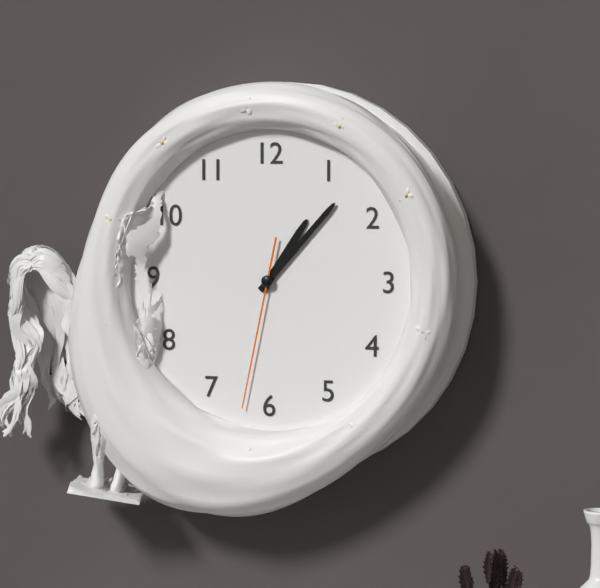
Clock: 1,07,32
